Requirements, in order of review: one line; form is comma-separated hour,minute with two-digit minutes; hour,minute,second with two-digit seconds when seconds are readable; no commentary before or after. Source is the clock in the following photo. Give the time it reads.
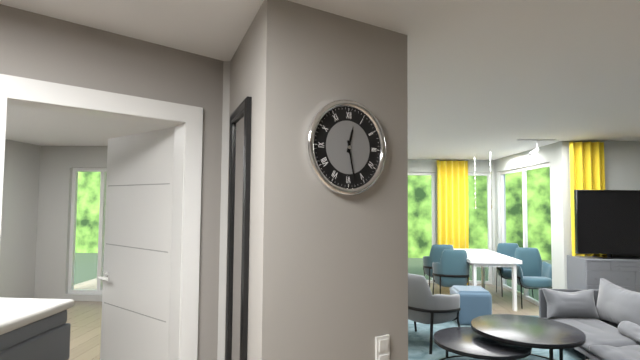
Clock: 12,28
